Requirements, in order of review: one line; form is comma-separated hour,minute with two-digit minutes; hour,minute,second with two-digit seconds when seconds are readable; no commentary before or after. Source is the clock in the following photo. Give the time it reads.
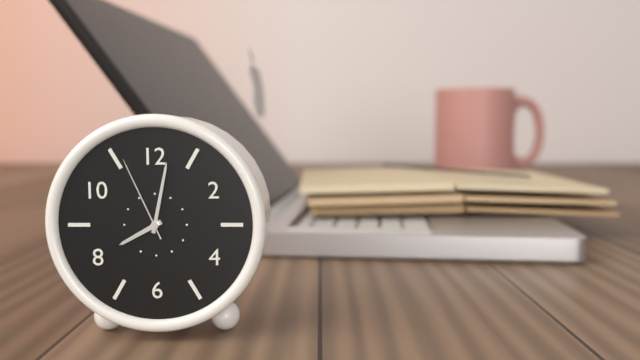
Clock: 8,02,56
